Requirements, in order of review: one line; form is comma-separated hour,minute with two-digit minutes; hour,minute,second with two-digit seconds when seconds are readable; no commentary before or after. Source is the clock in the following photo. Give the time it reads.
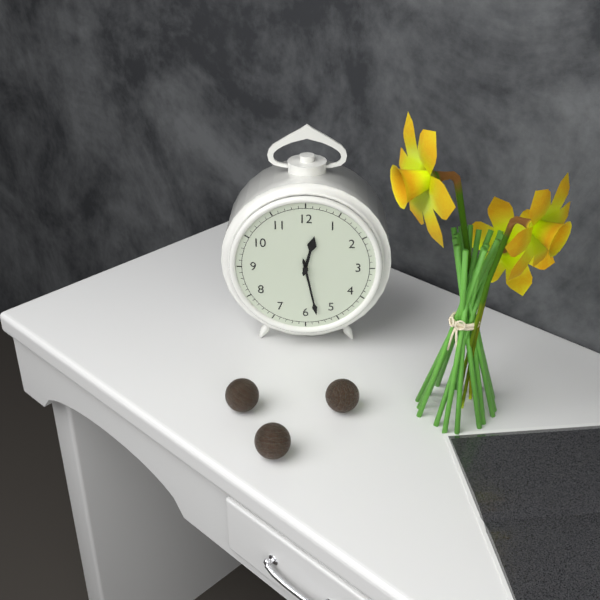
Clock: 12,28
